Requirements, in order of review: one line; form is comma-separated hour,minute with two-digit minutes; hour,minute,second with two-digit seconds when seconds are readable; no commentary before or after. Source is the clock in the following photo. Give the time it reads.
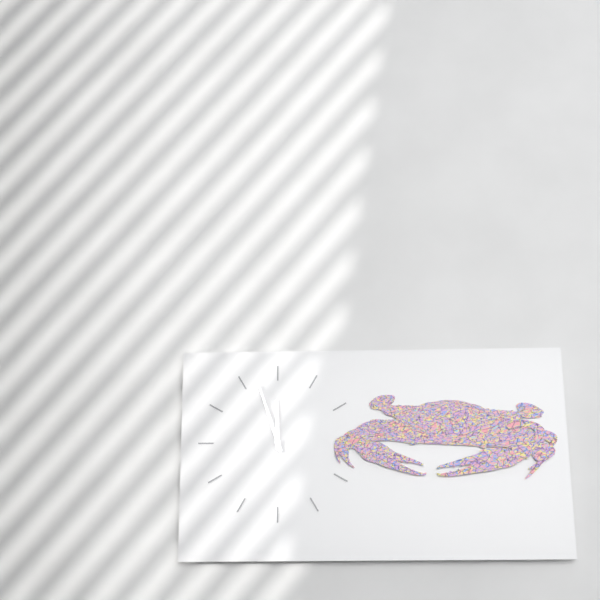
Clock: 11,57
